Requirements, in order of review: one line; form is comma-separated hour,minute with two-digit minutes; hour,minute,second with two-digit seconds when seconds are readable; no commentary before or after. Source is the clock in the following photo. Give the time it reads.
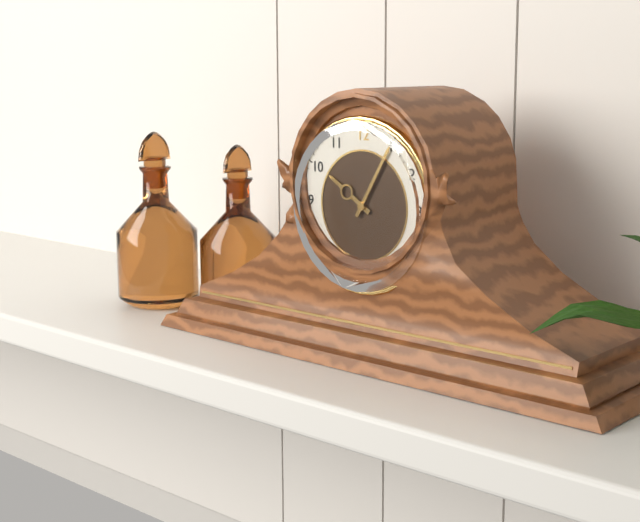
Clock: 10,05
